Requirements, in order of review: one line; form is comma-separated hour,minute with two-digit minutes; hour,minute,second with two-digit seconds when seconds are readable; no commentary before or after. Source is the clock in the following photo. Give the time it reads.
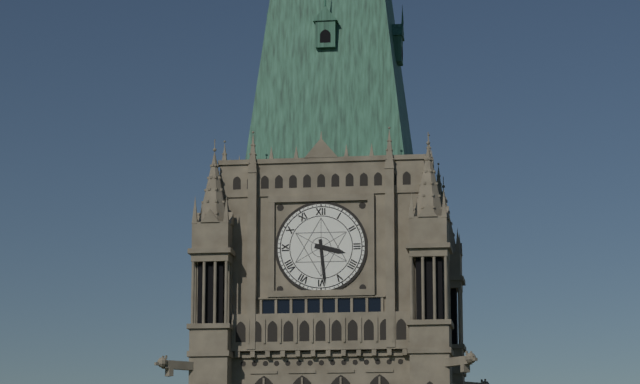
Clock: 3,29
